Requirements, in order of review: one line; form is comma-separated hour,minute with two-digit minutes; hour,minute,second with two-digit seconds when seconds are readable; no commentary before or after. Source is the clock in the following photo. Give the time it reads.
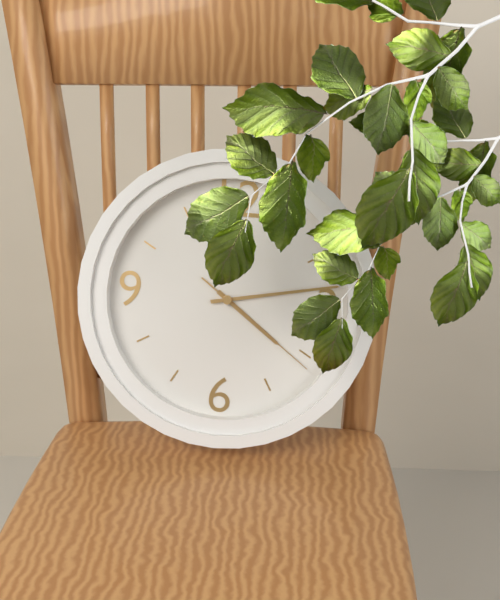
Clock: 4,13,21
